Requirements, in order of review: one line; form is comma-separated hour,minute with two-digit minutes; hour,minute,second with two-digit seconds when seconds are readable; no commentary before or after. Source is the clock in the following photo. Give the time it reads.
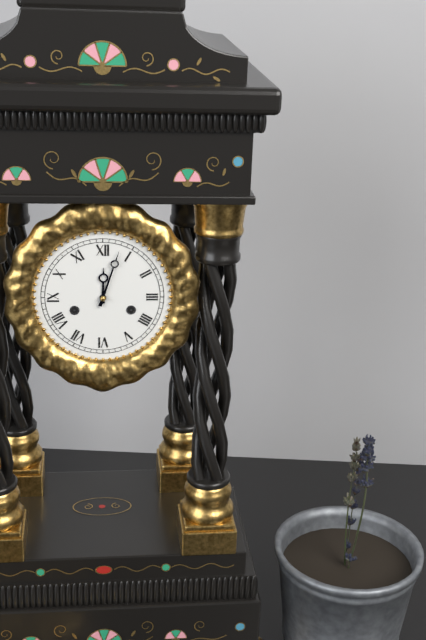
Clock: 12,03
